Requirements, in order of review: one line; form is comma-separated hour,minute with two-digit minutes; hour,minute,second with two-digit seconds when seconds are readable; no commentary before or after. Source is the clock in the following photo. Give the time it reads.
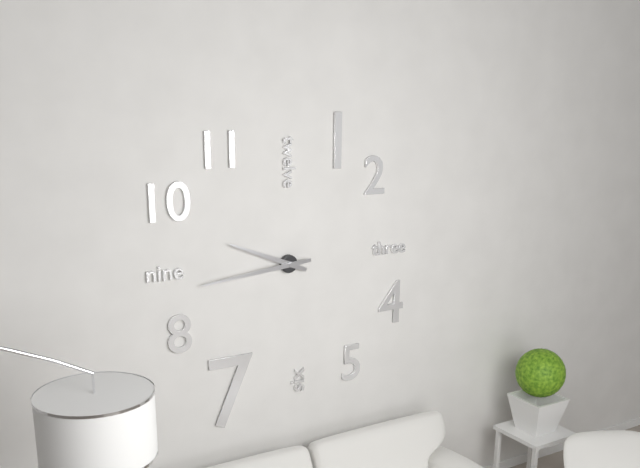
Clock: 9,44
